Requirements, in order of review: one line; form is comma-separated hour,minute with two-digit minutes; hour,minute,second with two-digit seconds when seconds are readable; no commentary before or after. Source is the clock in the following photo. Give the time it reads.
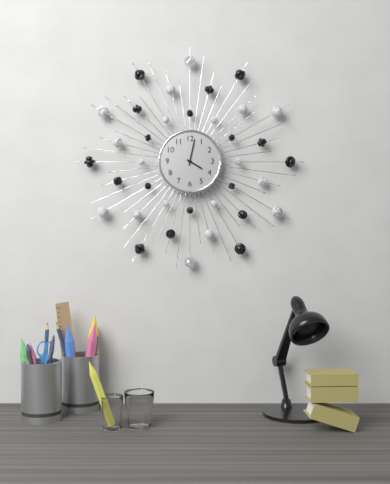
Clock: 4,02
